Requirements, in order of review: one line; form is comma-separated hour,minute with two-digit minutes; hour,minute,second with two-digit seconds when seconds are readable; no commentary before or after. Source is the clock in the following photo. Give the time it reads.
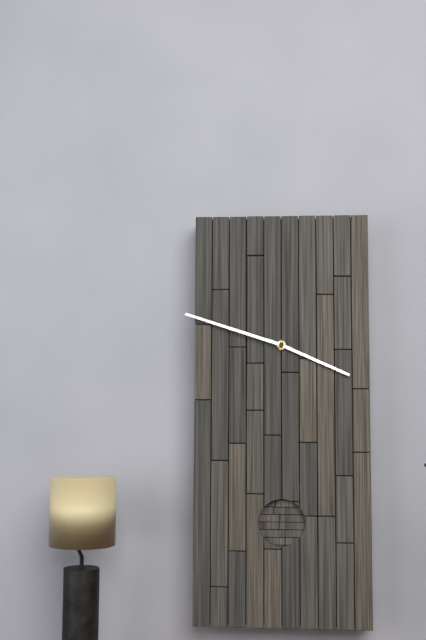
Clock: 3,48
